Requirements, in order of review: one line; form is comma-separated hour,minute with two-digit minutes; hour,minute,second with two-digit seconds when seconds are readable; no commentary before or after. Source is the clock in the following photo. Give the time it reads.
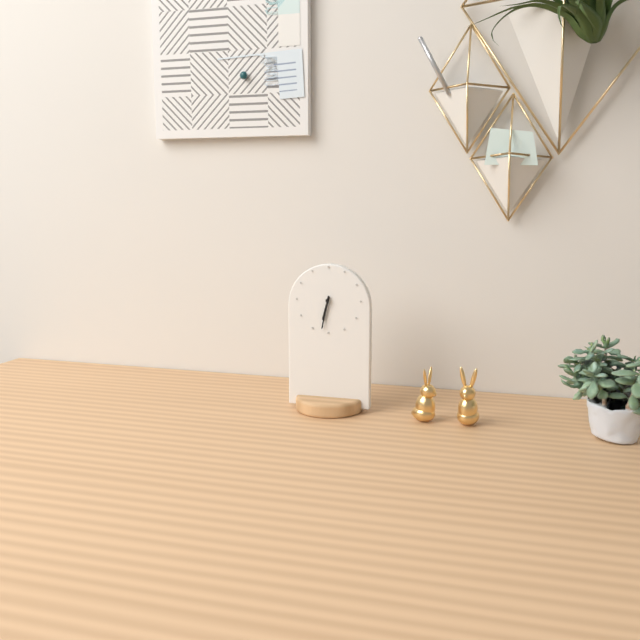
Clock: 6,32
